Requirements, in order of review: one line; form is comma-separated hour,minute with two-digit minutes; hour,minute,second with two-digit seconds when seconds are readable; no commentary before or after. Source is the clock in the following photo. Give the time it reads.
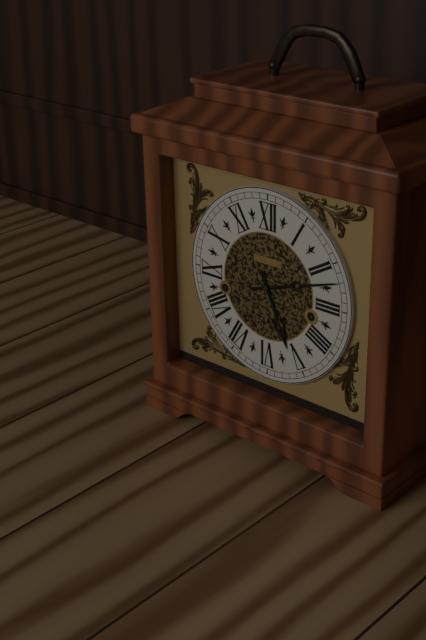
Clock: 5,12
